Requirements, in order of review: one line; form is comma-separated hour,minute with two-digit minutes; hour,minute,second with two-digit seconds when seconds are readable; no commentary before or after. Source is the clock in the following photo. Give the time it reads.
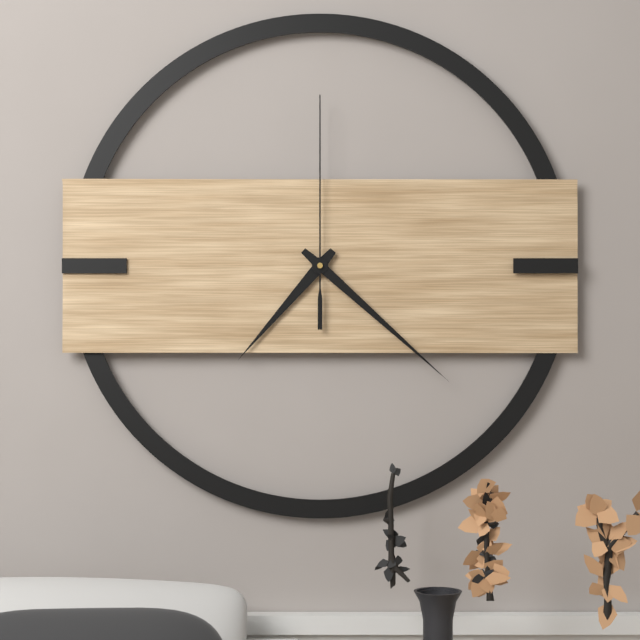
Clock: 7,22,00
